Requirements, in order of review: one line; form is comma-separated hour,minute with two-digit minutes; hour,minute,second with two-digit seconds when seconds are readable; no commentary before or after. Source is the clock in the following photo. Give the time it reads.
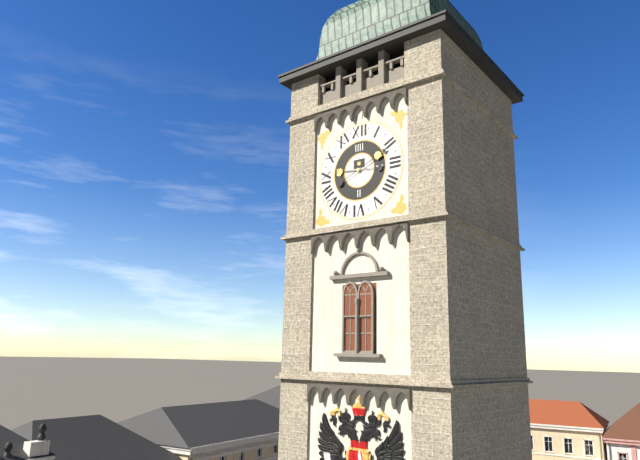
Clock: 9,11
